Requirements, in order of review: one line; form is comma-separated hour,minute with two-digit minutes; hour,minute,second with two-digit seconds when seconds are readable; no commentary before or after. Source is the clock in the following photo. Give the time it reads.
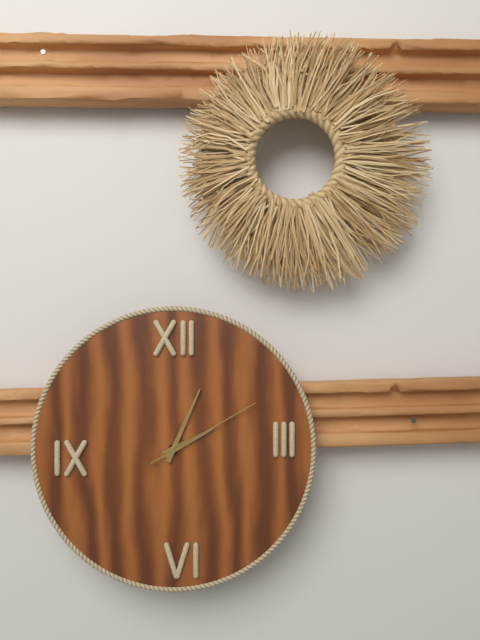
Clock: 2,04,10
